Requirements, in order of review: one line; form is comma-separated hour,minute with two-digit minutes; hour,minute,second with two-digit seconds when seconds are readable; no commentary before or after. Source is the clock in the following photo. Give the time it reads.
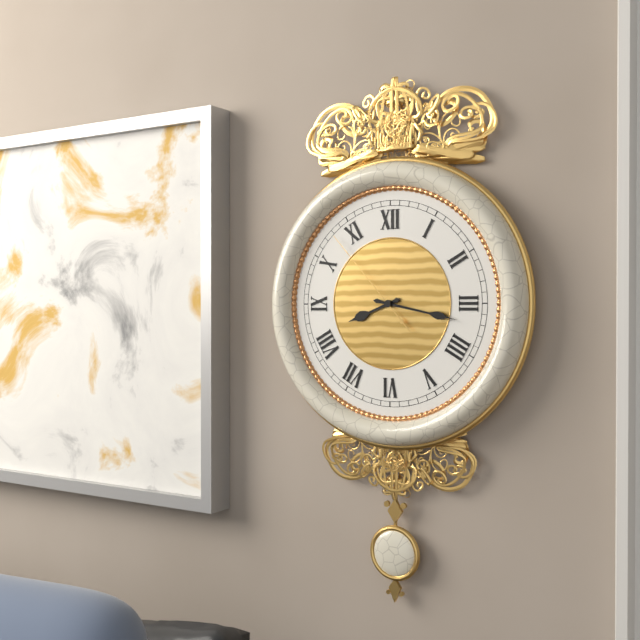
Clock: 8,17,53
